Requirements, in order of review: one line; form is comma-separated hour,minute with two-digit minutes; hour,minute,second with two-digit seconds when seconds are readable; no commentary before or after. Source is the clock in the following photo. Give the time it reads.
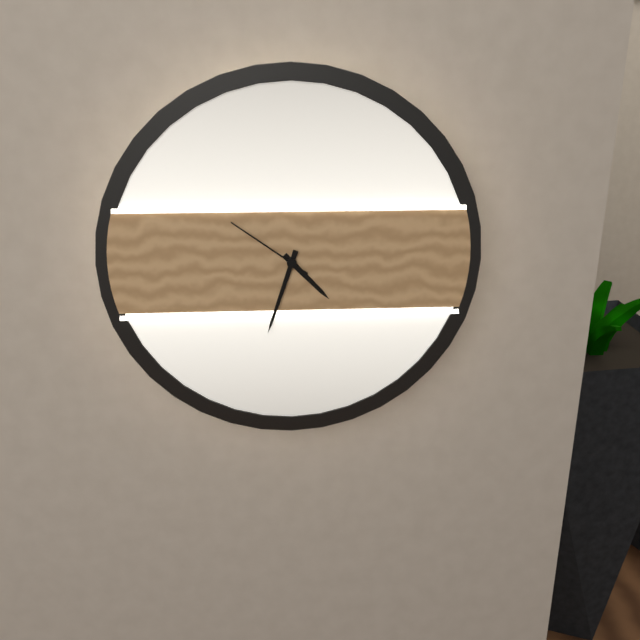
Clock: 4,33,51
